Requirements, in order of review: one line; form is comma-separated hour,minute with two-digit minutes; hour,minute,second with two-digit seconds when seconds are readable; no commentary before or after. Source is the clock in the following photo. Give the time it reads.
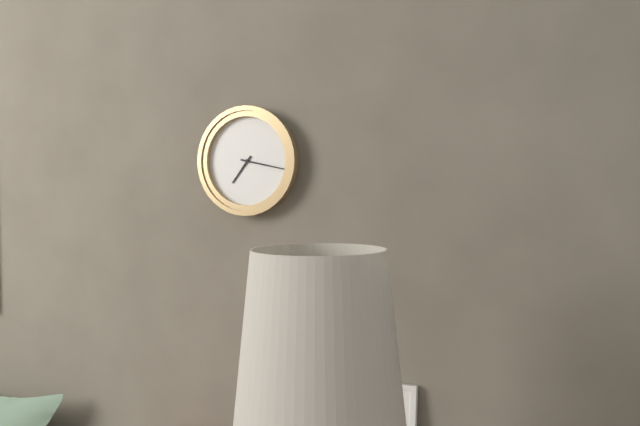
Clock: 7,17
